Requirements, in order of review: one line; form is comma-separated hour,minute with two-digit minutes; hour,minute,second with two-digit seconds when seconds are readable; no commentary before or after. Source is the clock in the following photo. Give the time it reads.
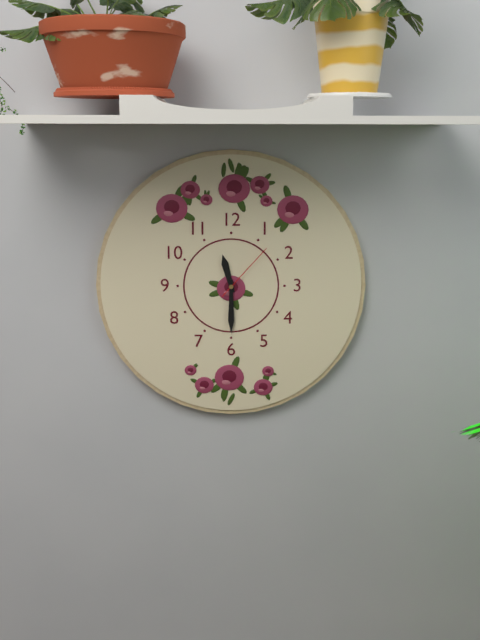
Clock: 11,30,07
